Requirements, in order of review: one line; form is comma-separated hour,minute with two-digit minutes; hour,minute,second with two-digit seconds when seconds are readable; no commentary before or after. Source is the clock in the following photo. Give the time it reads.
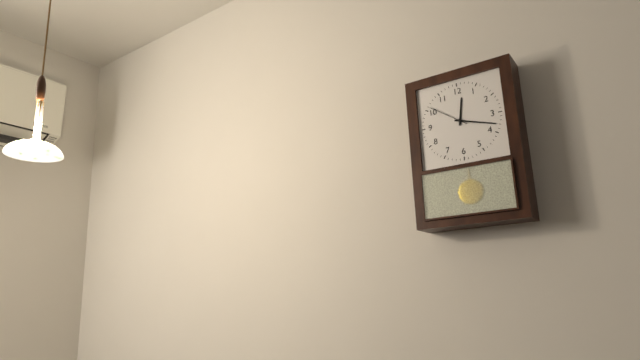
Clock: 12,18
